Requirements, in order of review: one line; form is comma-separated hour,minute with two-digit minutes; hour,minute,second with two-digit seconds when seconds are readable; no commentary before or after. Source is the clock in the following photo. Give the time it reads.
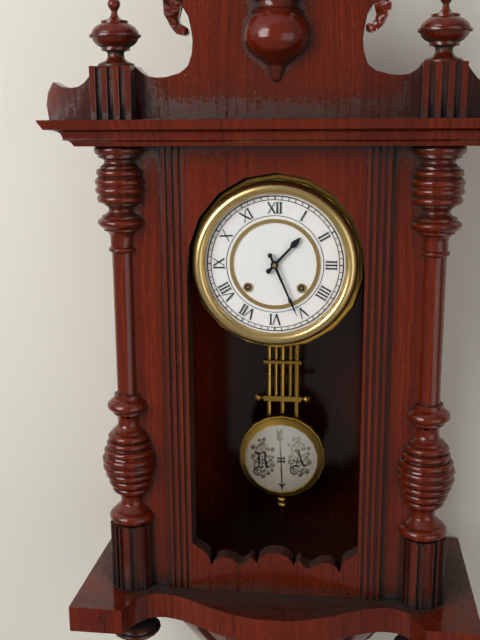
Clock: 1,26
